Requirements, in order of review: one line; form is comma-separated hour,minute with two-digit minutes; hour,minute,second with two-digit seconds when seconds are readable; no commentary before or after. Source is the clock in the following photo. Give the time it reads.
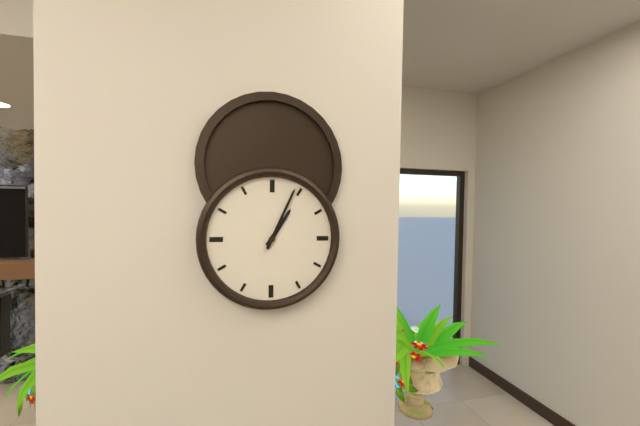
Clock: 1,04
